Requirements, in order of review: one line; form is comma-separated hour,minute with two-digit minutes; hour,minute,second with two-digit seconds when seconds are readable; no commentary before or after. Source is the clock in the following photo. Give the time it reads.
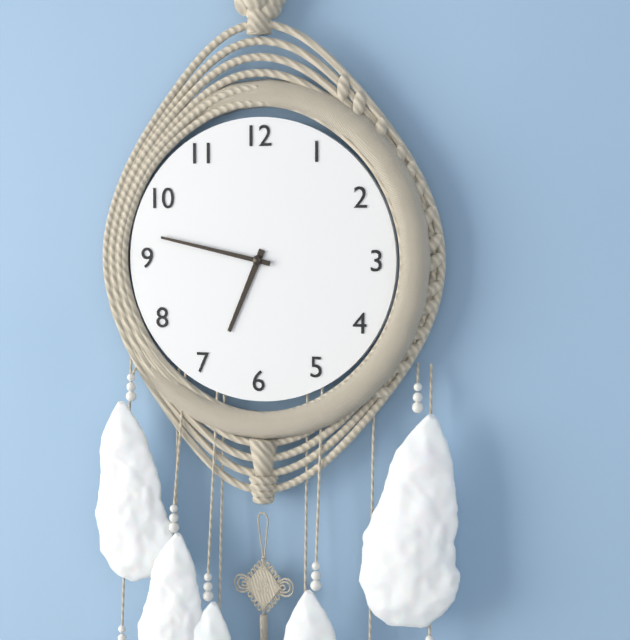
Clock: 6,47
